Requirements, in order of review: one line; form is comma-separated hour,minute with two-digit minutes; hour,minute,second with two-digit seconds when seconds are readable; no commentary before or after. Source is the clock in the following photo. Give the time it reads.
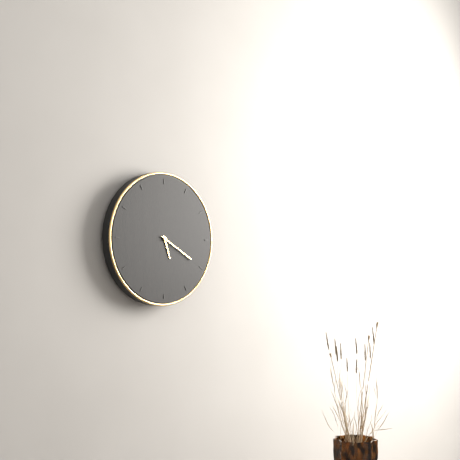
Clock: 5,20
